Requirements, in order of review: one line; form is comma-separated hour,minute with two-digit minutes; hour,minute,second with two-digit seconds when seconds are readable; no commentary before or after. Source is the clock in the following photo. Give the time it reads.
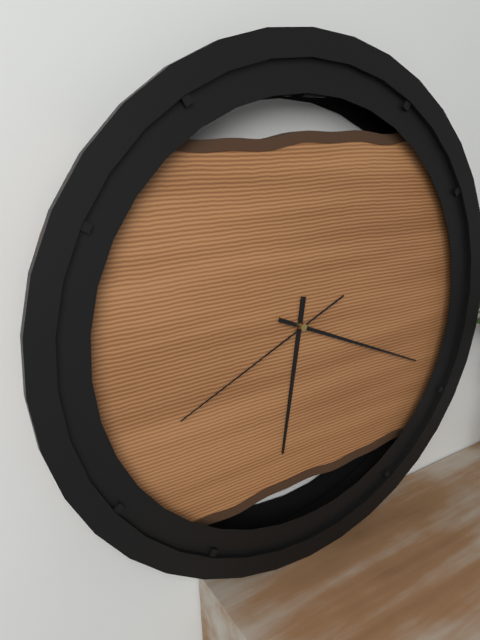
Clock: 6,19,41
